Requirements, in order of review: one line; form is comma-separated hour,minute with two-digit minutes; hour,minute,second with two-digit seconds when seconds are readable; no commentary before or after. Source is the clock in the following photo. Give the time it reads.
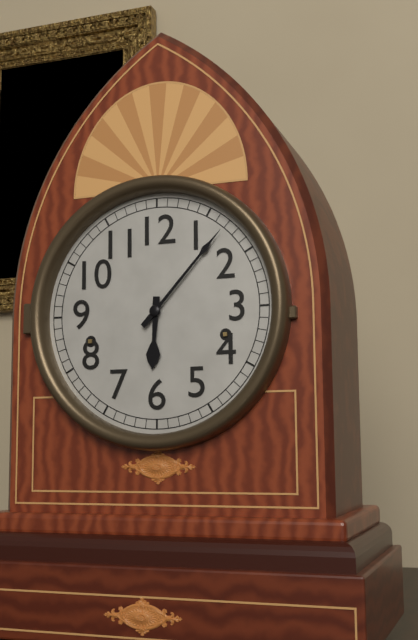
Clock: 6,07
